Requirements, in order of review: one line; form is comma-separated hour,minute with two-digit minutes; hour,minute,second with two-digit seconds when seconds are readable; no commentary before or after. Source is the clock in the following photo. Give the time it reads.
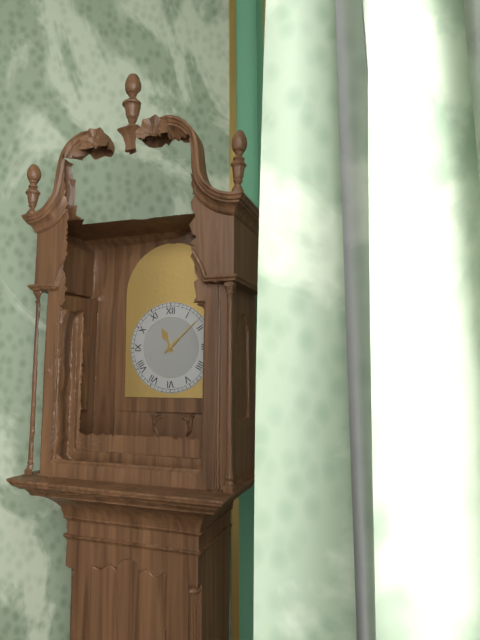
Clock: 11,08
